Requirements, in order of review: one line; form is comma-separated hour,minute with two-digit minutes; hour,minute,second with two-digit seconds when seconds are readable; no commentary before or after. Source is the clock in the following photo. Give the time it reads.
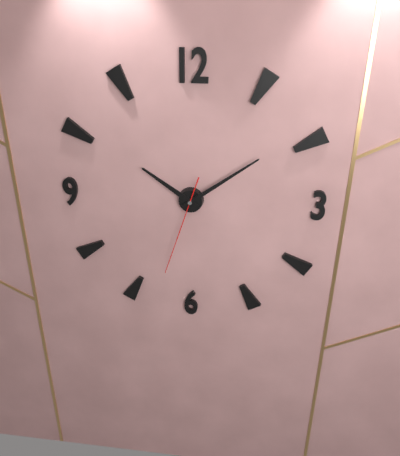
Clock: 10,09,33
